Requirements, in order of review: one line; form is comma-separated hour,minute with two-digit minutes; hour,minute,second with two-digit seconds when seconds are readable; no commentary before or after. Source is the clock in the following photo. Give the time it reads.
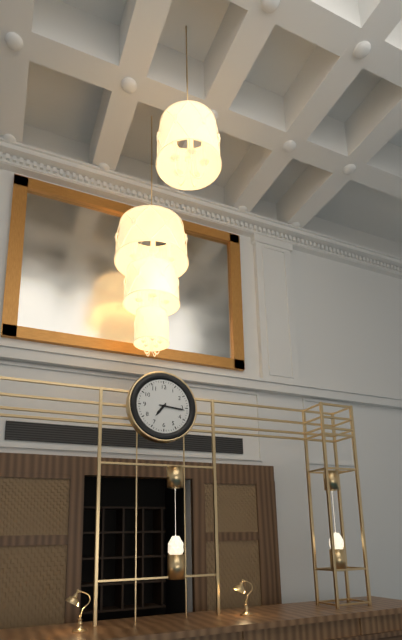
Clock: 7,16
